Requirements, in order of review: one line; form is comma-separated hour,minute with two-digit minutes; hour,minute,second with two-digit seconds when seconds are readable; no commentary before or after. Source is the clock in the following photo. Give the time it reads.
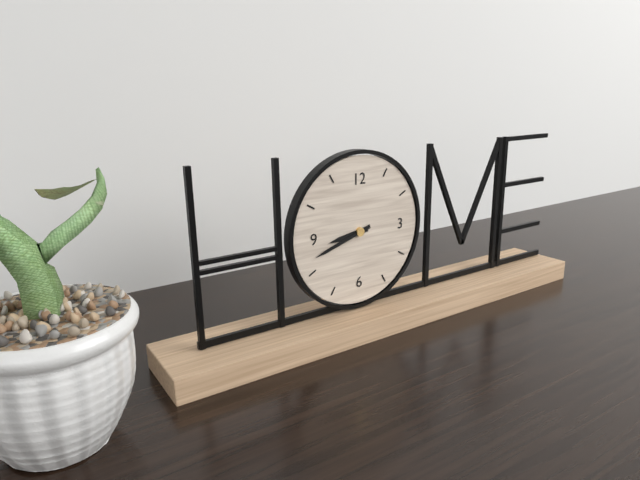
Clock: 8,42
